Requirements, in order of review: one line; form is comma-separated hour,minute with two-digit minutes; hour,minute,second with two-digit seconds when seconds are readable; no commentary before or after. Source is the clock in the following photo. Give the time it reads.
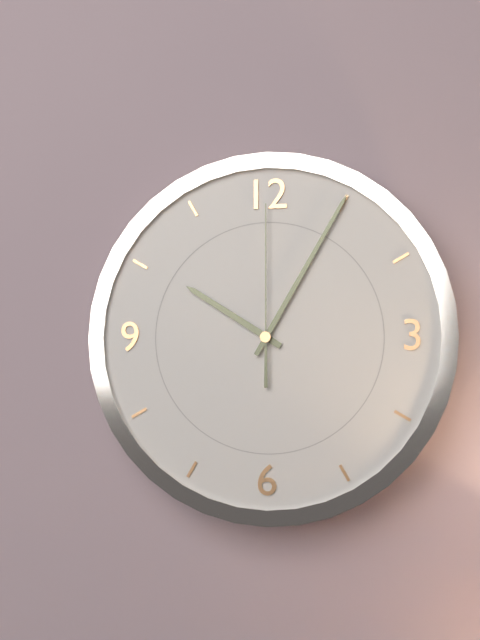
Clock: 10,05,00
